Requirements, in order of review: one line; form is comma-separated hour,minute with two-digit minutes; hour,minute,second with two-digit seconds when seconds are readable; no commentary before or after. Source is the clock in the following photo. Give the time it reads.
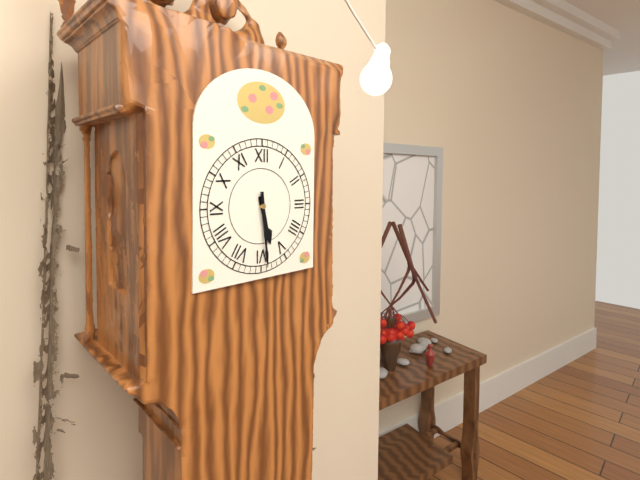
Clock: 5,29
